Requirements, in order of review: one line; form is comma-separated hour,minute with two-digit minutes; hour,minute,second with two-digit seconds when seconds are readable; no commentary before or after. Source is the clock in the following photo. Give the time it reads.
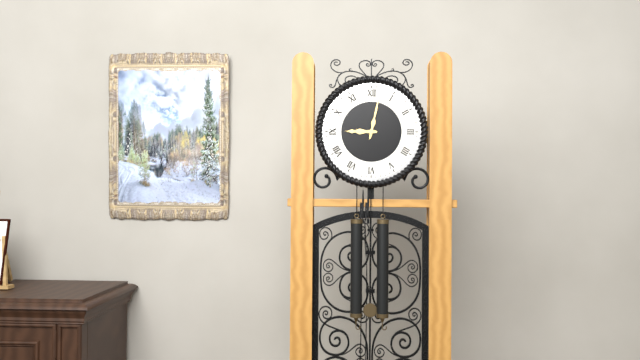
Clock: 9,02
